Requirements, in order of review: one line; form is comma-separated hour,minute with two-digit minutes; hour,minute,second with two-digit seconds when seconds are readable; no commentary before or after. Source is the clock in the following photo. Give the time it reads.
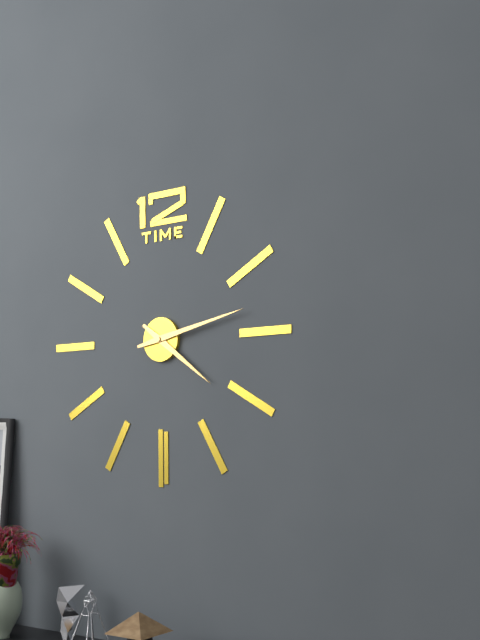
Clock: 4,13
